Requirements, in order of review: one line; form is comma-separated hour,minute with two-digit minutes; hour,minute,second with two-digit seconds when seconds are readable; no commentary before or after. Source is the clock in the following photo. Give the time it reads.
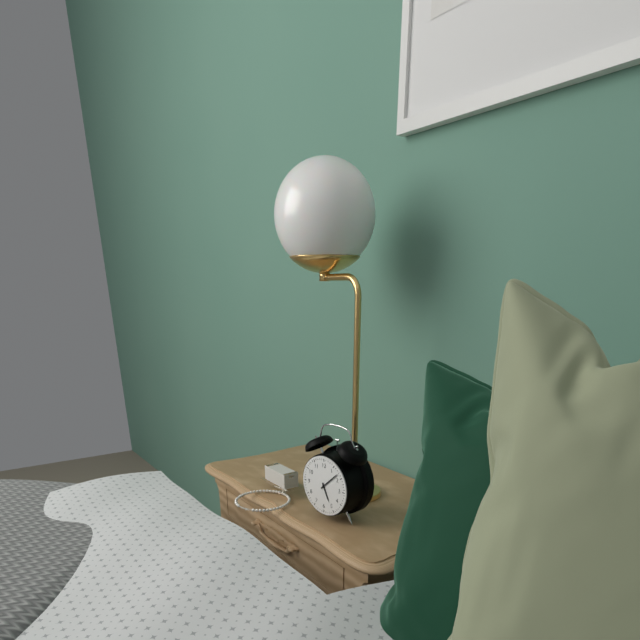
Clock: 5,08
